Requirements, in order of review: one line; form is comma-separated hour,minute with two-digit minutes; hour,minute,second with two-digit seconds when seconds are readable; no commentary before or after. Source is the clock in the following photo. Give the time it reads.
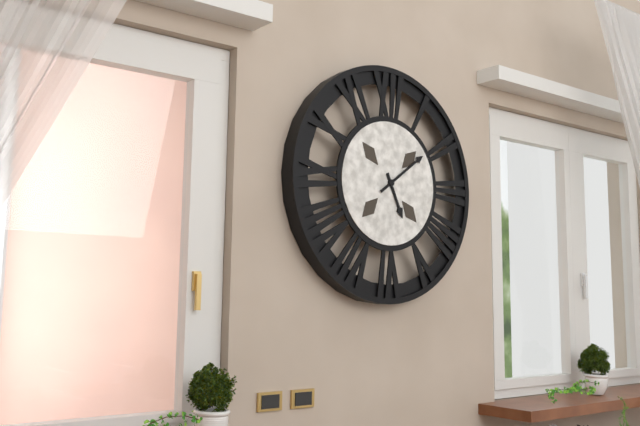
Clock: 5,09
